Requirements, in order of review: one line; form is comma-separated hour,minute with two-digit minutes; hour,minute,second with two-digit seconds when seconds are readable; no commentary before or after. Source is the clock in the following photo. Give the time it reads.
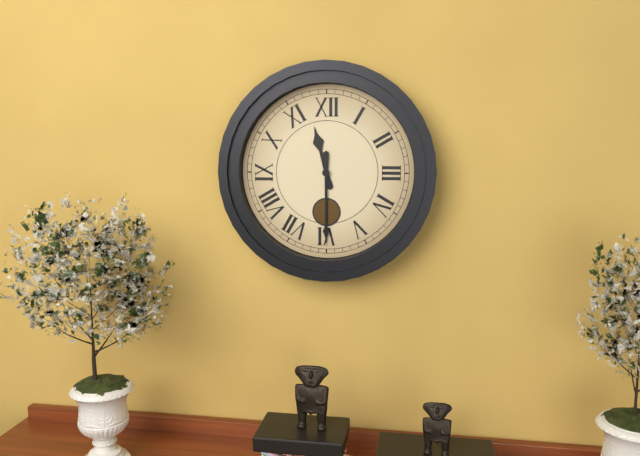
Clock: 11,30
